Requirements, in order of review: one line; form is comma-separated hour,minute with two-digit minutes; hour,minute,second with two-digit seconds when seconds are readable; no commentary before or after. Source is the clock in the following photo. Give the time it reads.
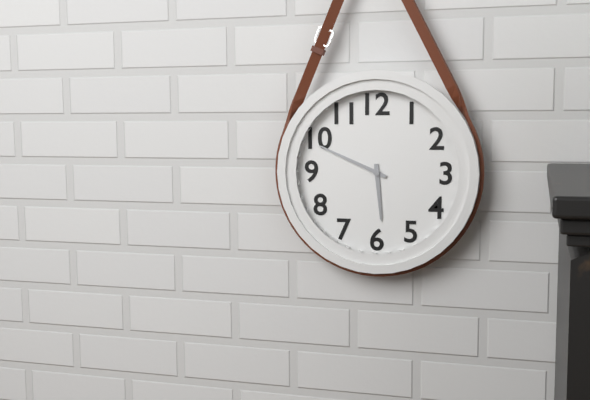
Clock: 5,49
